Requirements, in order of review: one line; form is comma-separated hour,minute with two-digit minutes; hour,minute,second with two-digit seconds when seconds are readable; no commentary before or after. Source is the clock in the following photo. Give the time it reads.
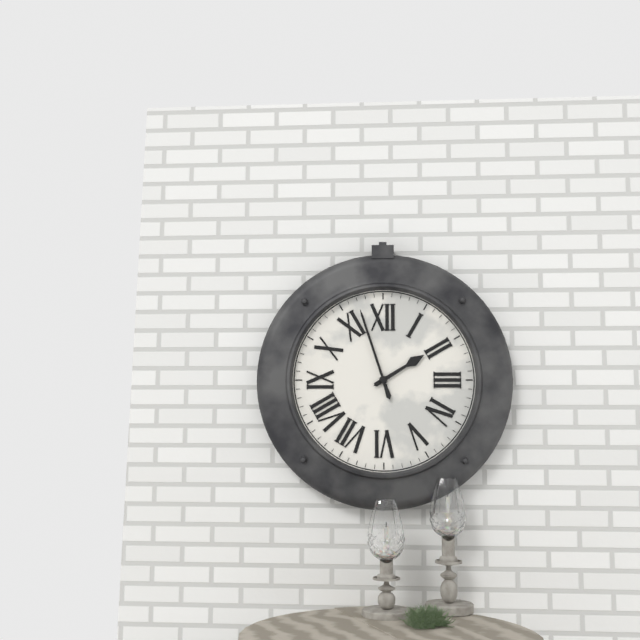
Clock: 1,57
